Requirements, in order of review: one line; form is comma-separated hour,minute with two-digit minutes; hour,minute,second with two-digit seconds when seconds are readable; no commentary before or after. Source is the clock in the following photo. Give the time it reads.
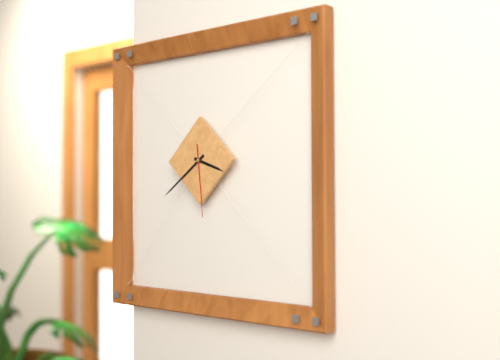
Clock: 3,39,29
